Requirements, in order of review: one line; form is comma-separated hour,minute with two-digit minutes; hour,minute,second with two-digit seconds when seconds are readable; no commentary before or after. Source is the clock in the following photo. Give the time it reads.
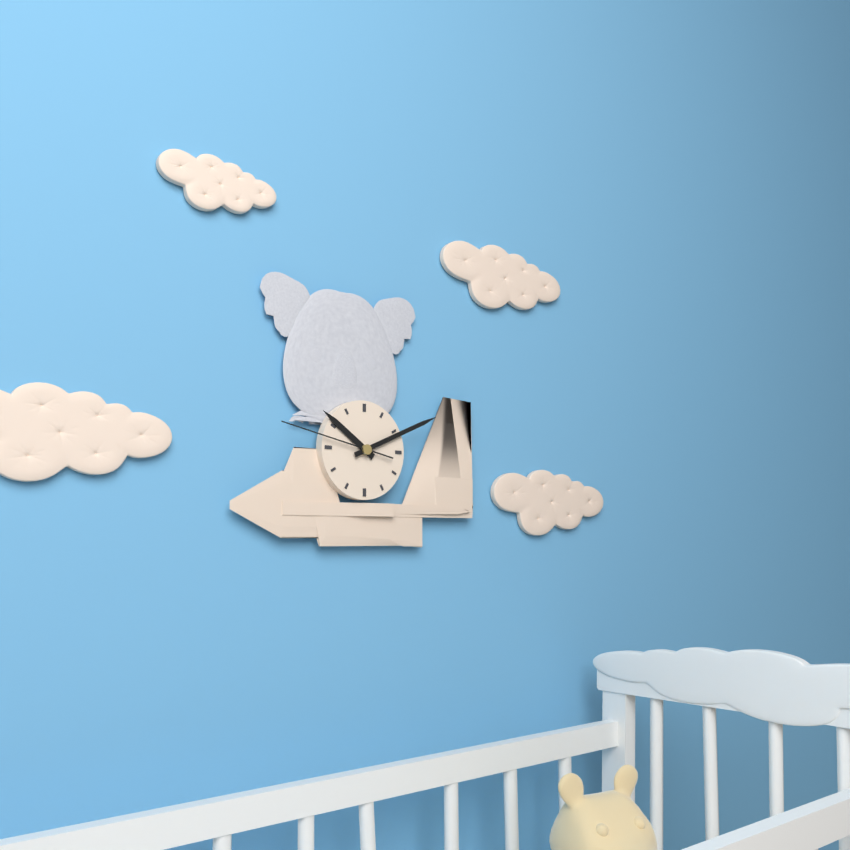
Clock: 10,11,47
